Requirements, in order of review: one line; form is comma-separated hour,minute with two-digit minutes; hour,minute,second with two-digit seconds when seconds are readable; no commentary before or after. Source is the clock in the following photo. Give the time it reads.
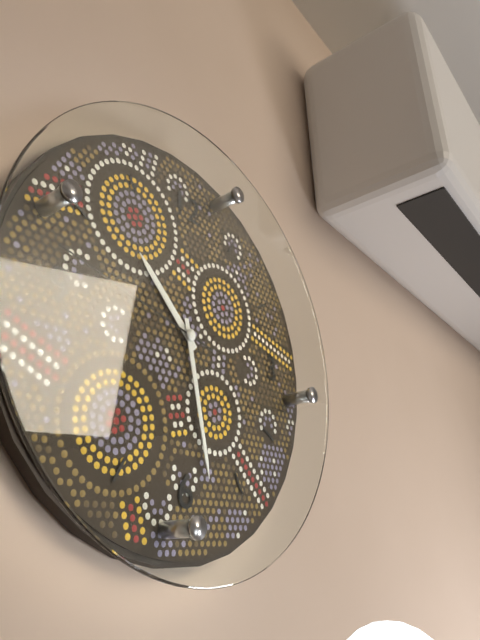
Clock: 10,28,47
